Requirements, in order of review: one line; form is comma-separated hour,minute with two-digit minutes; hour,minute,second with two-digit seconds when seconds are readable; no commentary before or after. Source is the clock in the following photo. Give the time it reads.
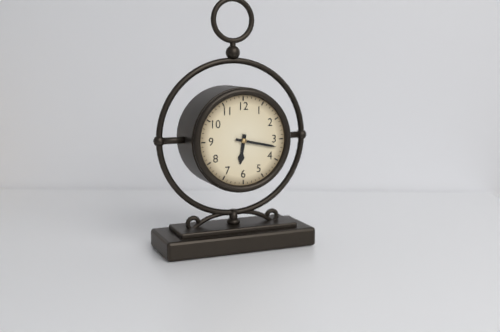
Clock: 6,17
